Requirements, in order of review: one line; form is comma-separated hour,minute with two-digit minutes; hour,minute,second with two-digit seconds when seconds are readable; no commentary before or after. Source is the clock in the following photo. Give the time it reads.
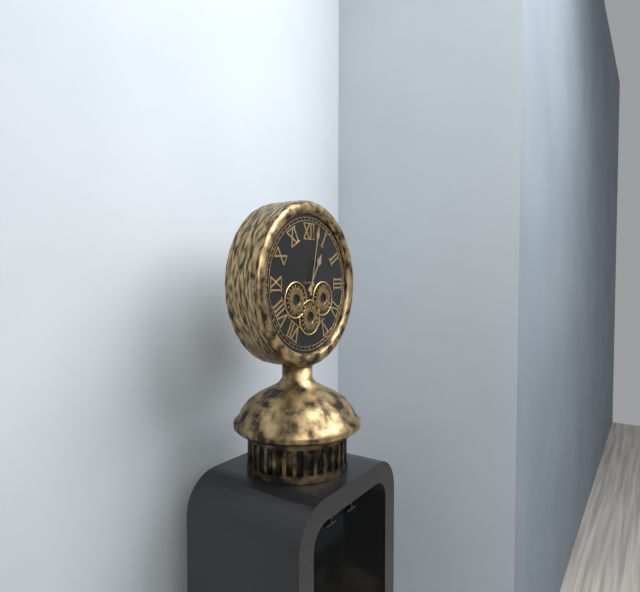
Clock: 1,02
